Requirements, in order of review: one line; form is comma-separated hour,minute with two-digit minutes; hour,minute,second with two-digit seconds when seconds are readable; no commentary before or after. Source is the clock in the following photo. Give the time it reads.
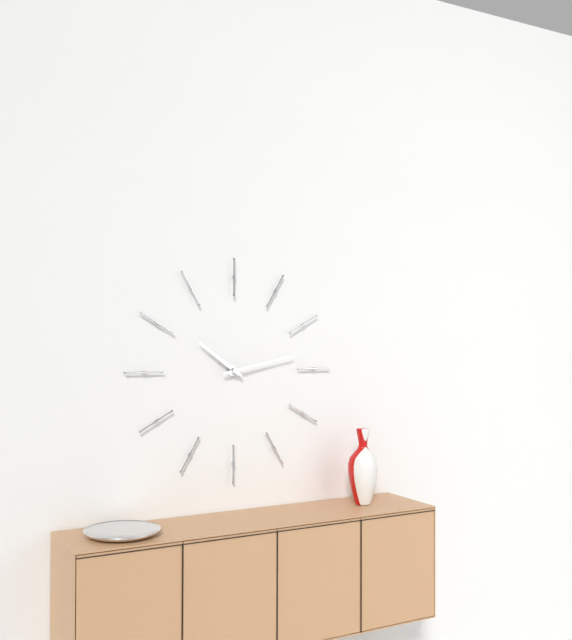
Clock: 10,13
